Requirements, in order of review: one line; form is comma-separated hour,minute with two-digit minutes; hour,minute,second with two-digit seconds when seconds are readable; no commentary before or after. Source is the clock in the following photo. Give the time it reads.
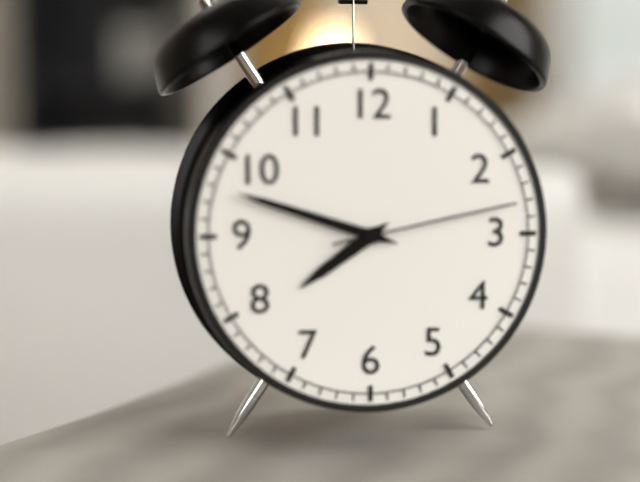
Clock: 7,48,13
